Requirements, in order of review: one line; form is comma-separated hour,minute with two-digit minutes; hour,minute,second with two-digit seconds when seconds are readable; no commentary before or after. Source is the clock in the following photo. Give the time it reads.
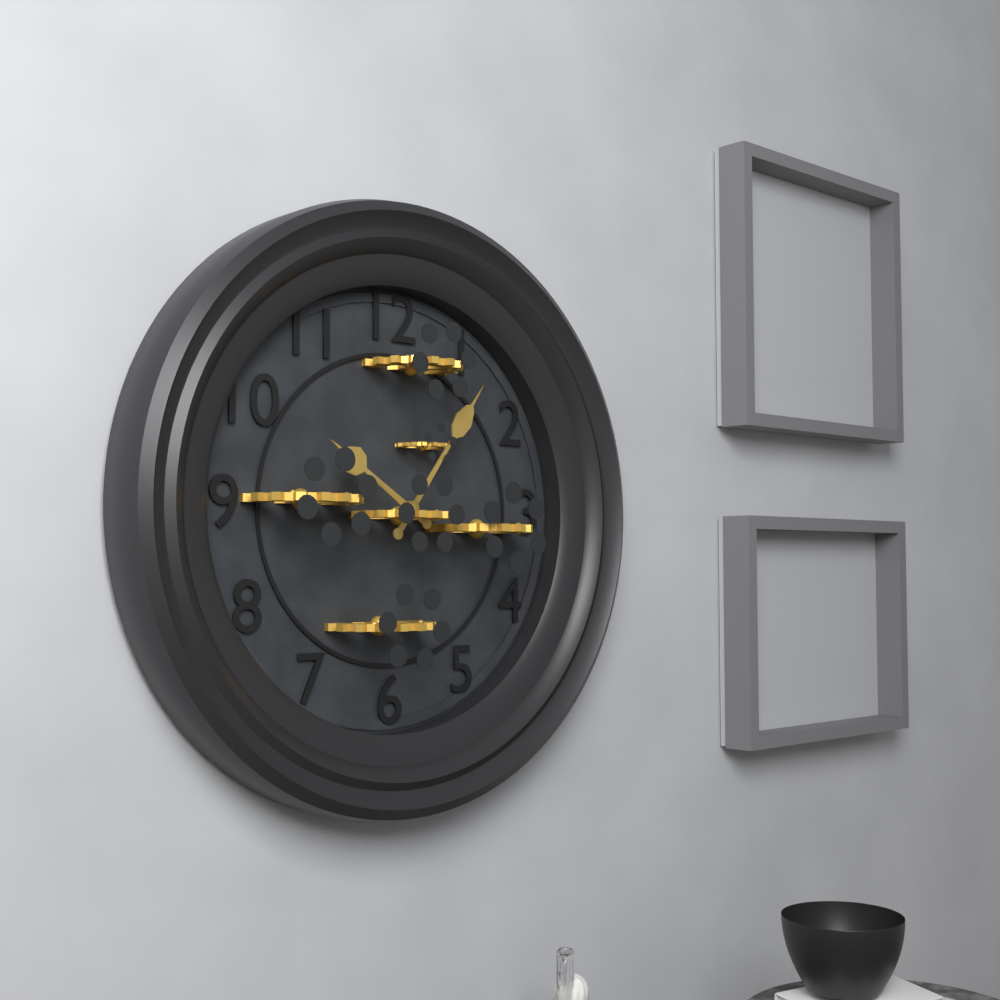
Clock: 10,06
